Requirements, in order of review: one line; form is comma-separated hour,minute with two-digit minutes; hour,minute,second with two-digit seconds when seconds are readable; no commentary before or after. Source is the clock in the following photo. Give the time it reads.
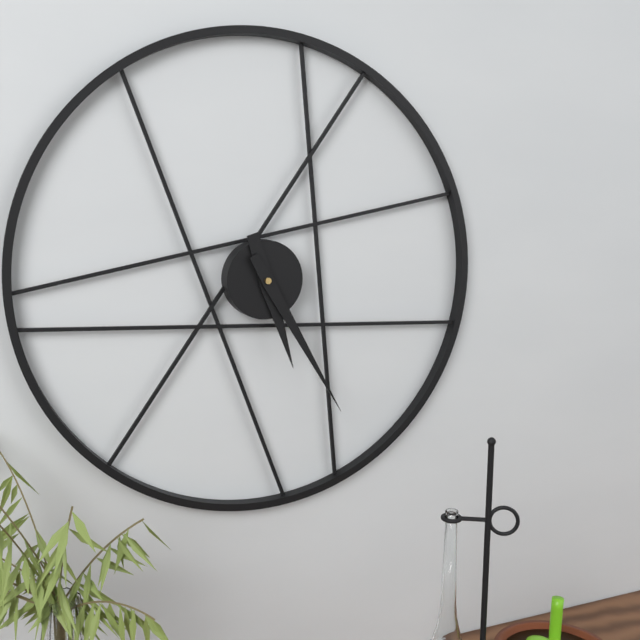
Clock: 5,25
